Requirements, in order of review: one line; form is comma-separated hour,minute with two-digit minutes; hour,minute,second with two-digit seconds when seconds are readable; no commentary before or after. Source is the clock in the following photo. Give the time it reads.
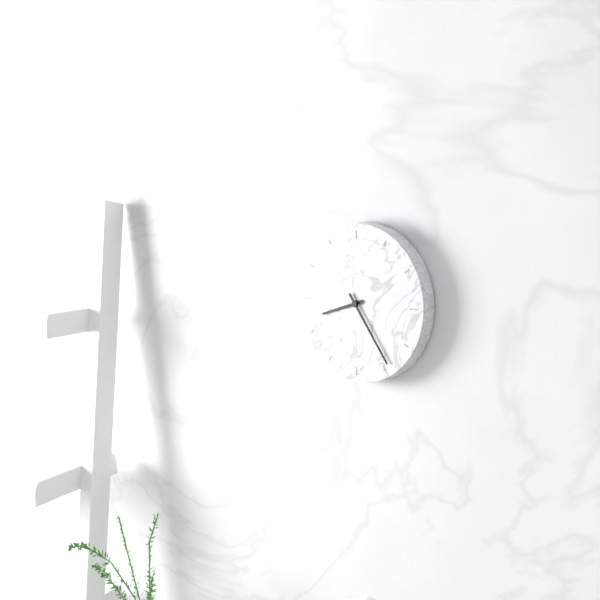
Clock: 8,24
